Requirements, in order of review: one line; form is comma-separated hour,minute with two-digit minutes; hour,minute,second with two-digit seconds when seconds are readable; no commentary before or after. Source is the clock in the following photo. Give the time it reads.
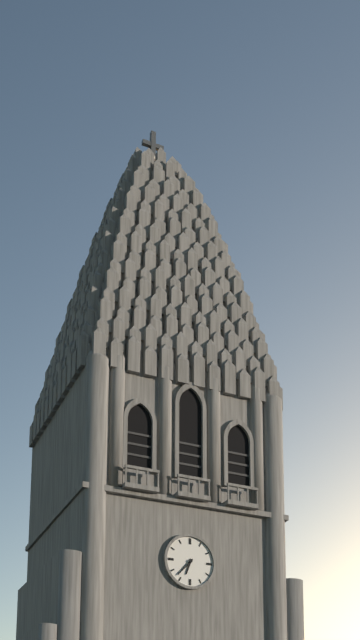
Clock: 6,37
